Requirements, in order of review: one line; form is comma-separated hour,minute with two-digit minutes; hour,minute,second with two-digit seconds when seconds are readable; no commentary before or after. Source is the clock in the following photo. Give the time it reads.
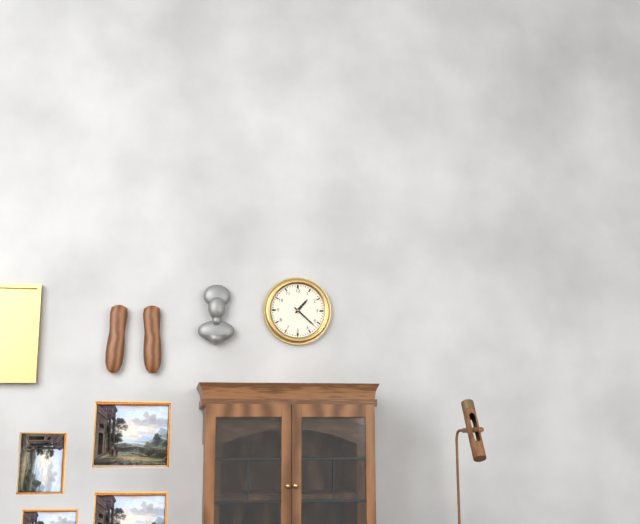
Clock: 1,22
